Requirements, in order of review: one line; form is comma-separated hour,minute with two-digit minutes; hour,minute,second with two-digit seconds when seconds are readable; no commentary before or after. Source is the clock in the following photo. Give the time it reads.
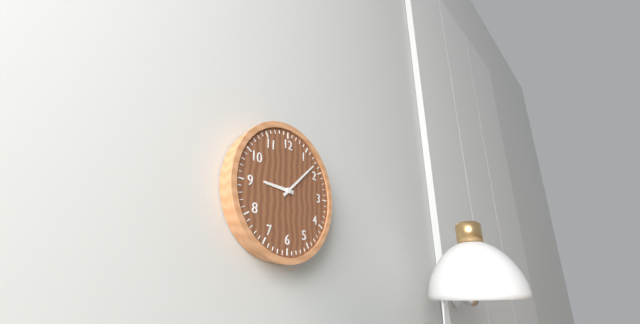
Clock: 9,08
